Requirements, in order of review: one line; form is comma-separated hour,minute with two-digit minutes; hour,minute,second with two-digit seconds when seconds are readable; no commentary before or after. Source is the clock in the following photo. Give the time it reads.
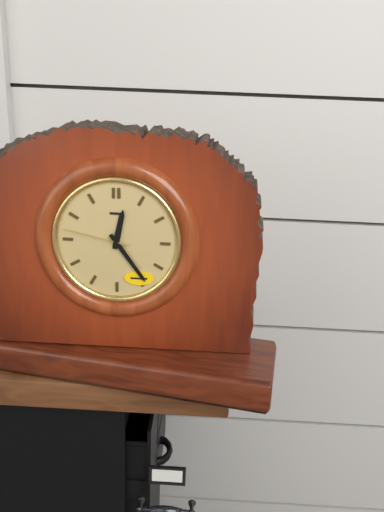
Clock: 12,24,47
